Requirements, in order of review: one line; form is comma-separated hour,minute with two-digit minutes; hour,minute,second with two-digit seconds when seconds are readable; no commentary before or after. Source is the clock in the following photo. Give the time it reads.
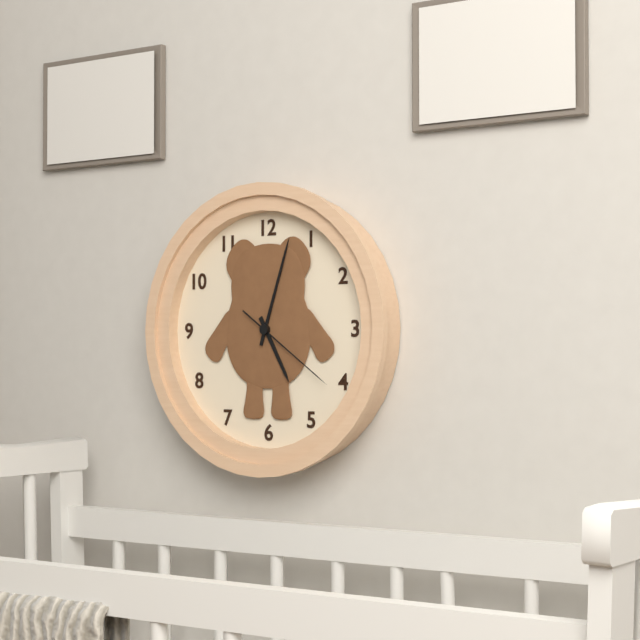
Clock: 5,03,21
